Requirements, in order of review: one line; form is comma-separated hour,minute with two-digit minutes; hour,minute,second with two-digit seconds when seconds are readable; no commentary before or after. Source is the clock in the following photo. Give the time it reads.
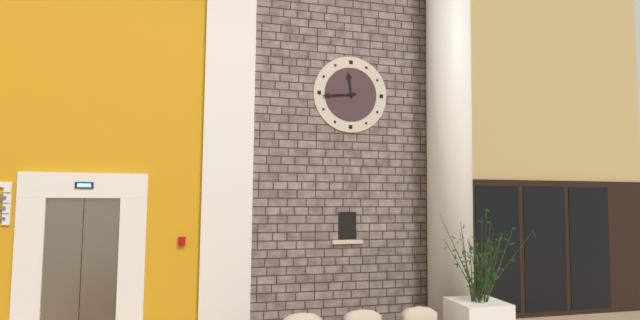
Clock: 11,44
